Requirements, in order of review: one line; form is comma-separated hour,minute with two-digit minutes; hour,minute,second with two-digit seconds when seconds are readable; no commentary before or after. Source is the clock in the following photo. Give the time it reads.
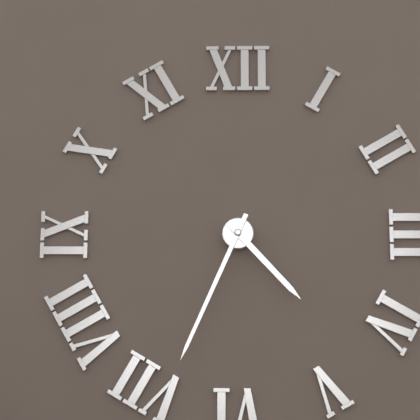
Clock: 4,34
